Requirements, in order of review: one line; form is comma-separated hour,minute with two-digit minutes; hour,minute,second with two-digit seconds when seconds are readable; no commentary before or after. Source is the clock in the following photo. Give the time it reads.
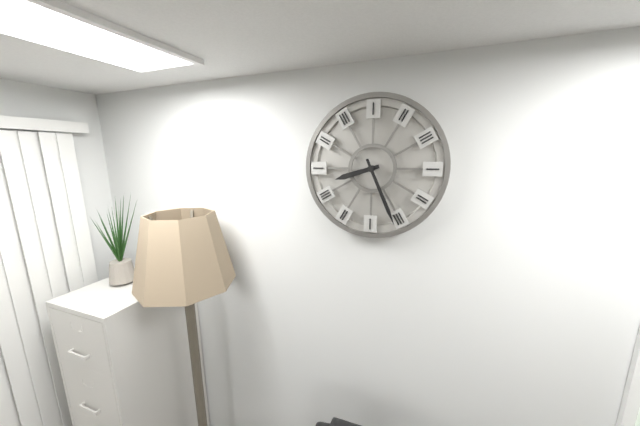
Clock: 8,26
